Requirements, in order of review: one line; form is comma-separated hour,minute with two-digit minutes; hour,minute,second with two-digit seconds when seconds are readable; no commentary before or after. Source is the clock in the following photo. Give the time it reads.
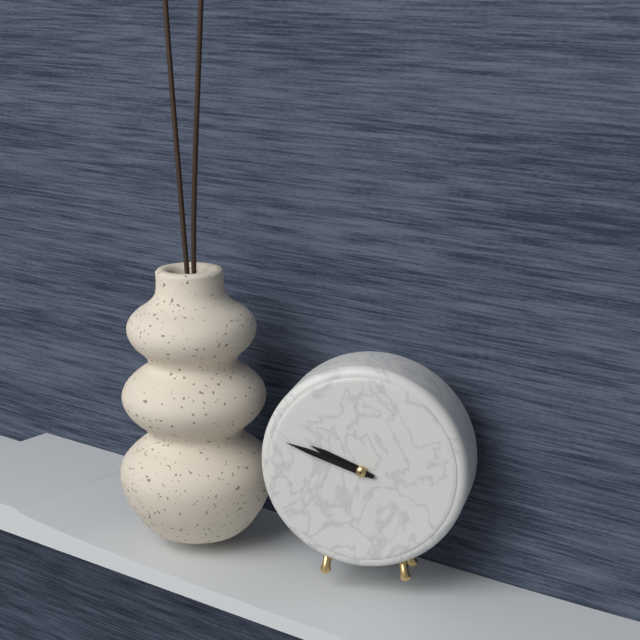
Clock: 9,48
